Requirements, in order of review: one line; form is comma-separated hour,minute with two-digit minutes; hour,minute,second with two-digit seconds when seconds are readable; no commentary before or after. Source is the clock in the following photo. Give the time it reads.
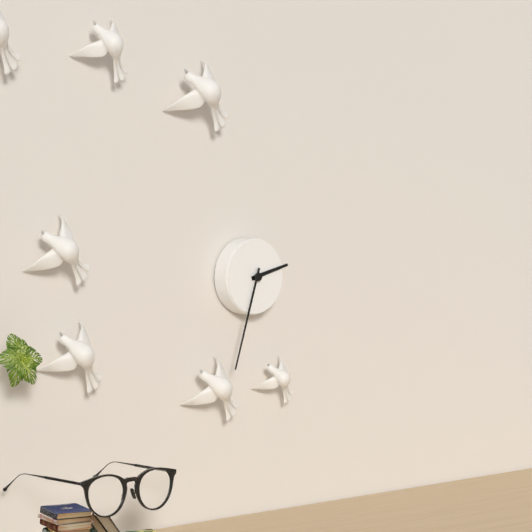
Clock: 2,33
